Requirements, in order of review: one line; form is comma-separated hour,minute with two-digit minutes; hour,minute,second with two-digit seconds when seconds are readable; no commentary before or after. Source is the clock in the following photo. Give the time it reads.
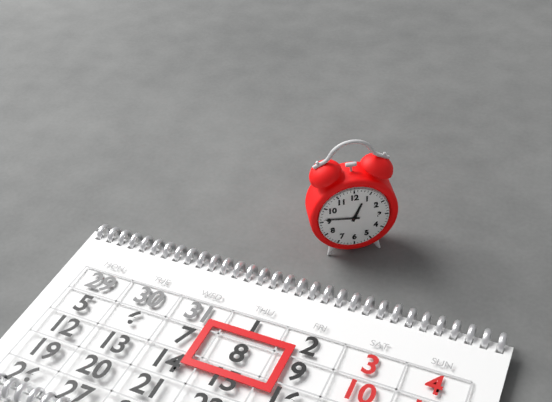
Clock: 12,46
